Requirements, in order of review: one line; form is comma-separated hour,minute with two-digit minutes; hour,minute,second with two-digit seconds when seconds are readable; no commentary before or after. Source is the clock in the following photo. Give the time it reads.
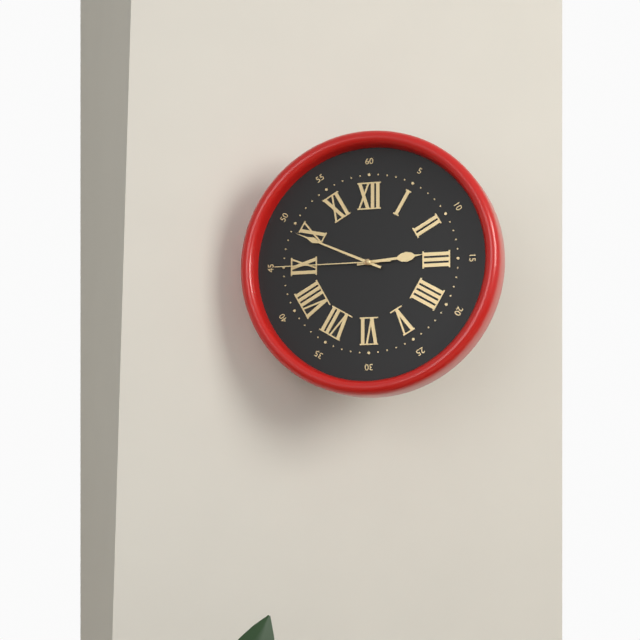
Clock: 2,49,45
